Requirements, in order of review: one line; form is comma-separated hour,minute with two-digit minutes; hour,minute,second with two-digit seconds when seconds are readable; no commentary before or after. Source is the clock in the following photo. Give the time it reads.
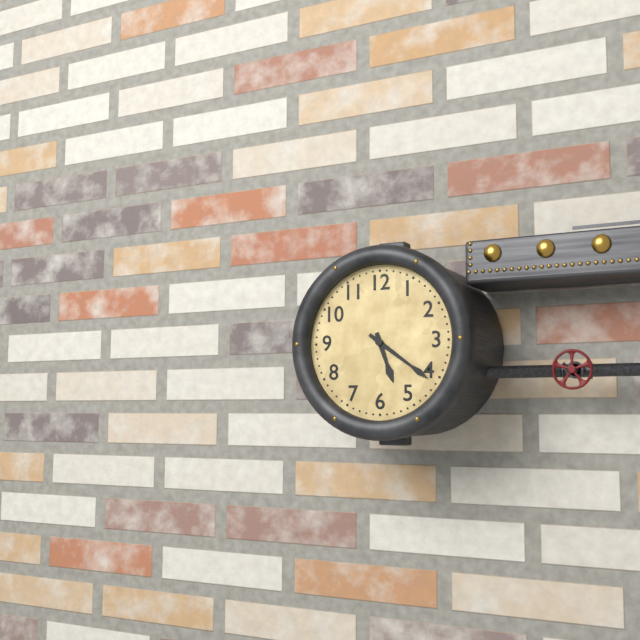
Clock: 5,21
